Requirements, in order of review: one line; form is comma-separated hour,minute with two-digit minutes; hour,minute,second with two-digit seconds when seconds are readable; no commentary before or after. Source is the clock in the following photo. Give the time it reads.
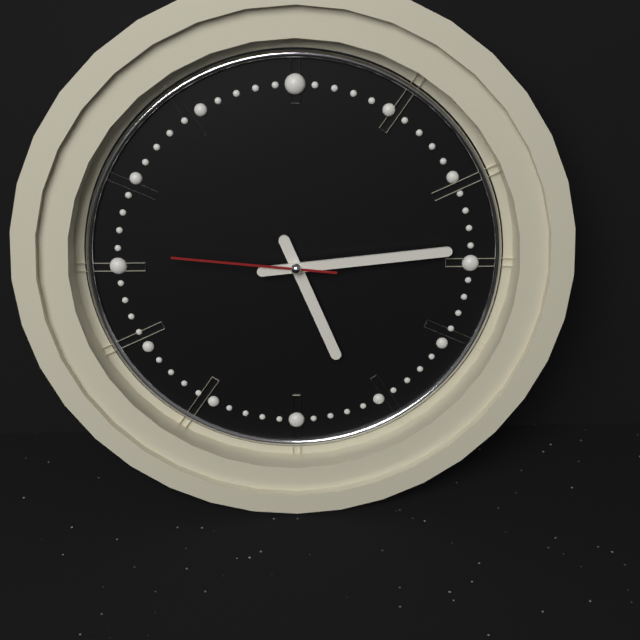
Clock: 5,14,46
